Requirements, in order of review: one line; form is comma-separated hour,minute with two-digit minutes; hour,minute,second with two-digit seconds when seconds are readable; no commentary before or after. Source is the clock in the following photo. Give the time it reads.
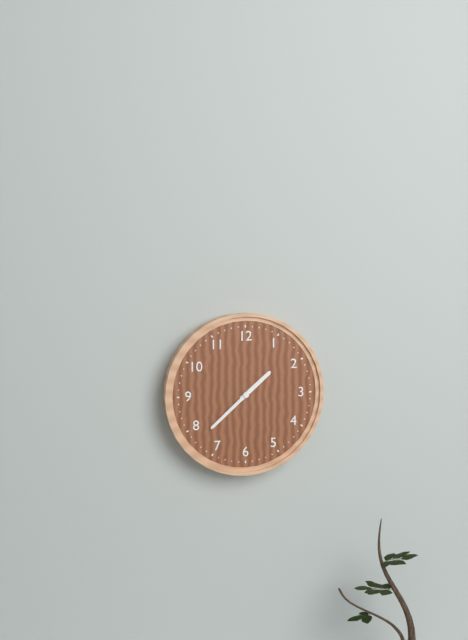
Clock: 1,38
